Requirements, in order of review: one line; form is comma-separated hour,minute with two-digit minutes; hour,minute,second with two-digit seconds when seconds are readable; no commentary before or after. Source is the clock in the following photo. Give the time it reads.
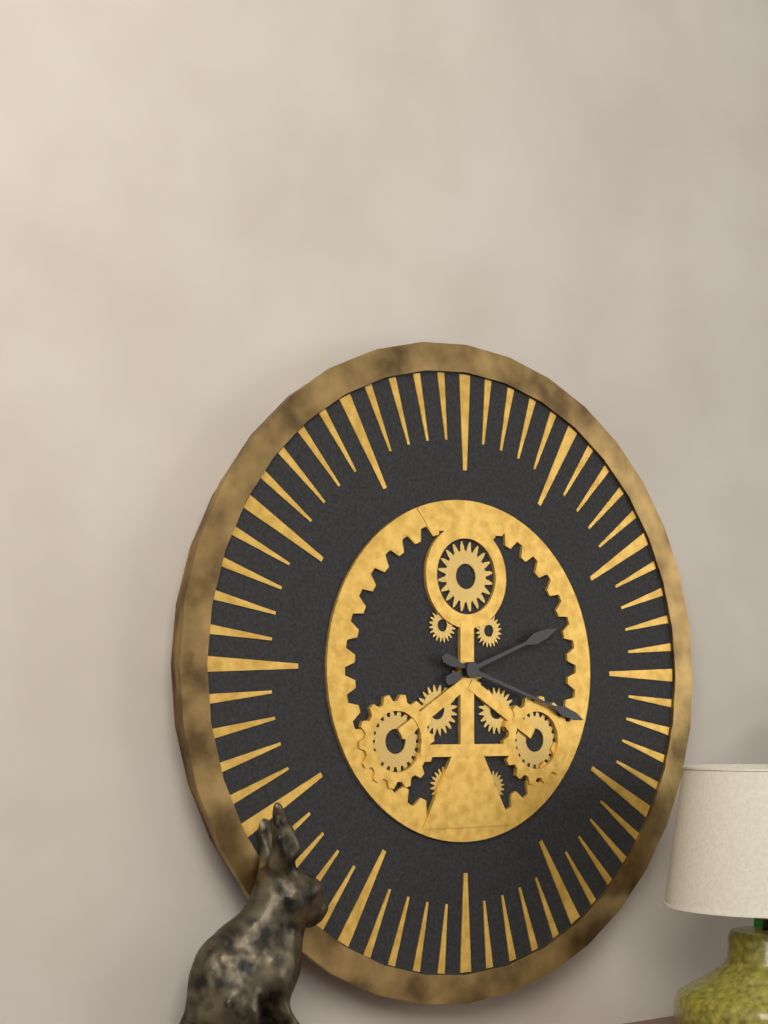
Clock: 2,18
